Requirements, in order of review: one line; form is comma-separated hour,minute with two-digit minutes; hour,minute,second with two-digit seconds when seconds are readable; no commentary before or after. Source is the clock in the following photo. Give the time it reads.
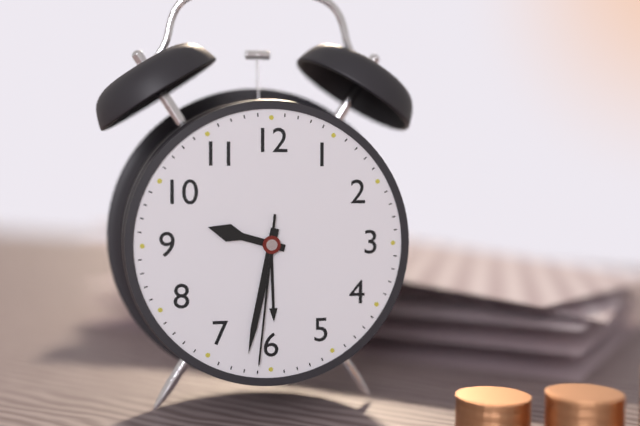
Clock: 9,32,31
